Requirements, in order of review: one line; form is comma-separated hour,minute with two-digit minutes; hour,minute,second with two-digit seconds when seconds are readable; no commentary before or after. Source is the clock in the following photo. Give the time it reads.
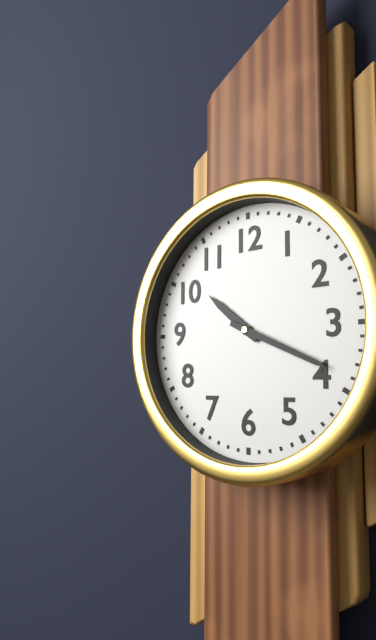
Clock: 10,19
